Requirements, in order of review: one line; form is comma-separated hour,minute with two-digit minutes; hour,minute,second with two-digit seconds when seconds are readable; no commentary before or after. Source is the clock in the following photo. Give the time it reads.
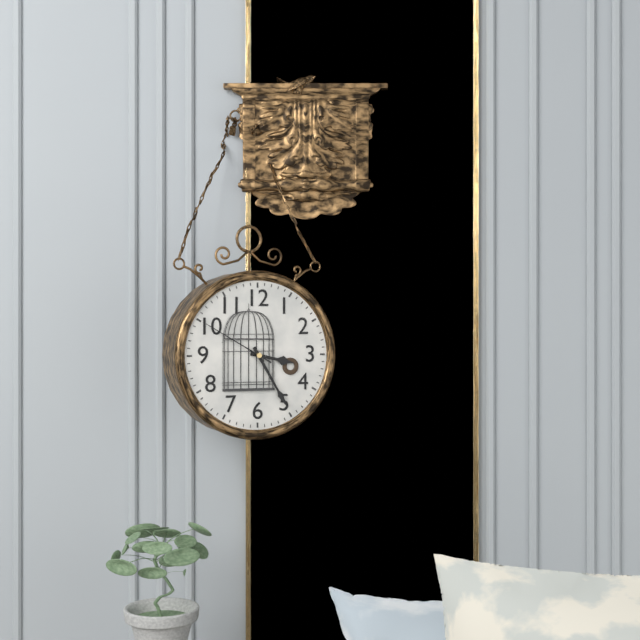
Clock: 3,25,50
